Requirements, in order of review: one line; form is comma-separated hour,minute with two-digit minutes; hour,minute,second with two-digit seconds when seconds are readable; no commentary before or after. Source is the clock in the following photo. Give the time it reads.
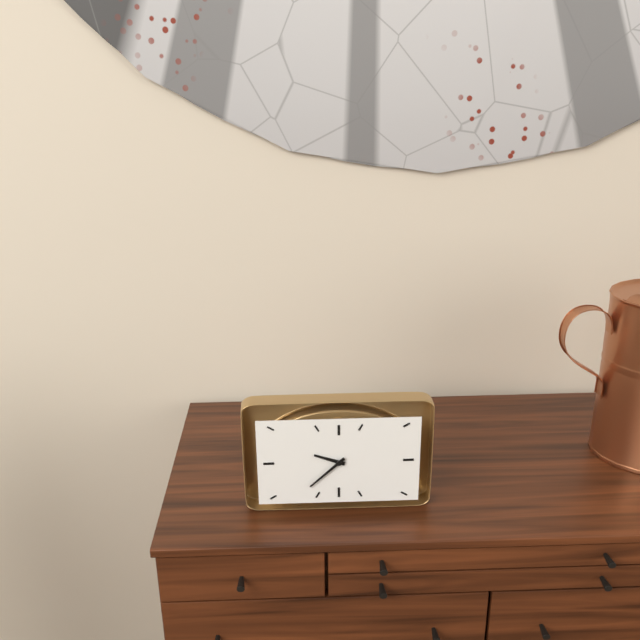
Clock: 9,38
